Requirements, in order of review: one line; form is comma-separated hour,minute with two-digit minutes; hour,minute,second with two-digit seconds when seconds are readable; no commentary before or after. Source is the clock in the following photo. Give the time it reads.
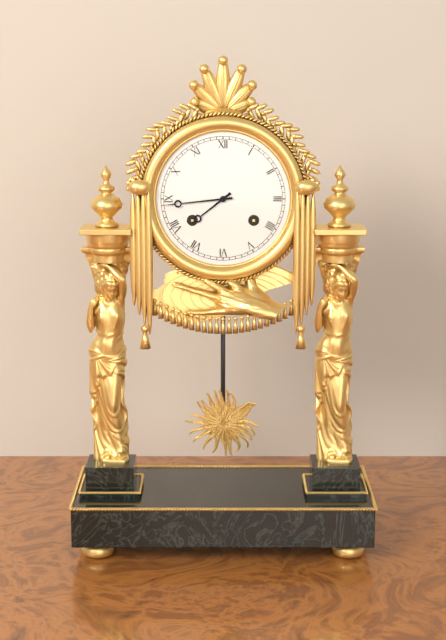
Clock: 7,44
